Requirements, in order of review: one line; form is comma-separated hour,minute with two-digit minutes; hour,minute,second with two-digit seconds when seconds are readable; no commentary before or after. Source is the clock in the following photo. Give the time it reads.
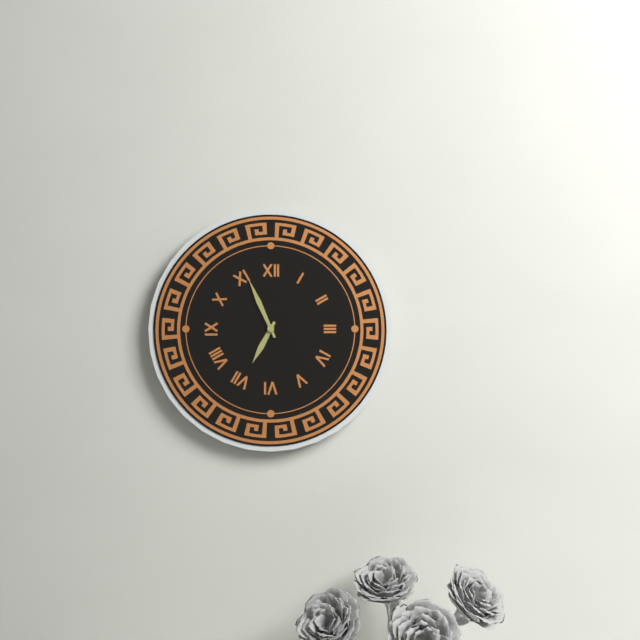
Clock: 6,56
